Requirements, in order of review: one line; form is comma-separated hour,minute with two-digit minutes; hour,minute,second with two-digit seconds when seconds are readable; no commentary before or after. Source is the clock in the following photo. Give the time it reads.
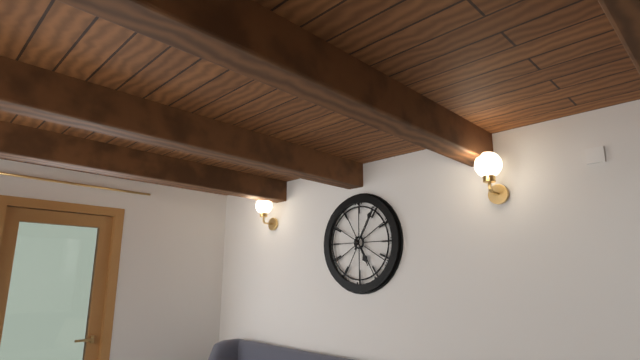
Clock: 5,05
